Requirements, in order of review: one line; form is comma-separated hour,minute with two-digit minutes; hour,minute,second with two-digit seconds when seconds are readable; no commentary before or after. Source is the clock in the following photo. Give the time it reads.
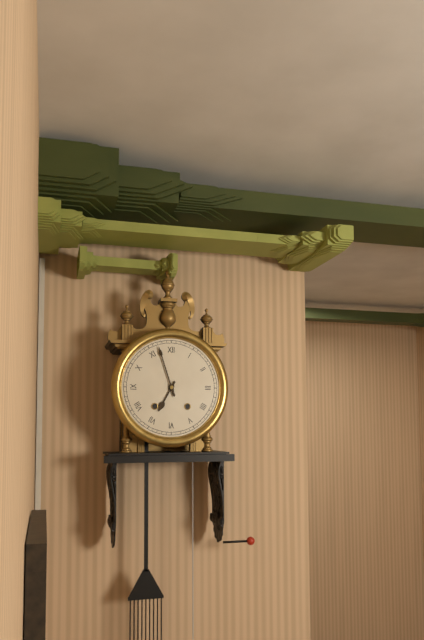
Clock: 6,57
